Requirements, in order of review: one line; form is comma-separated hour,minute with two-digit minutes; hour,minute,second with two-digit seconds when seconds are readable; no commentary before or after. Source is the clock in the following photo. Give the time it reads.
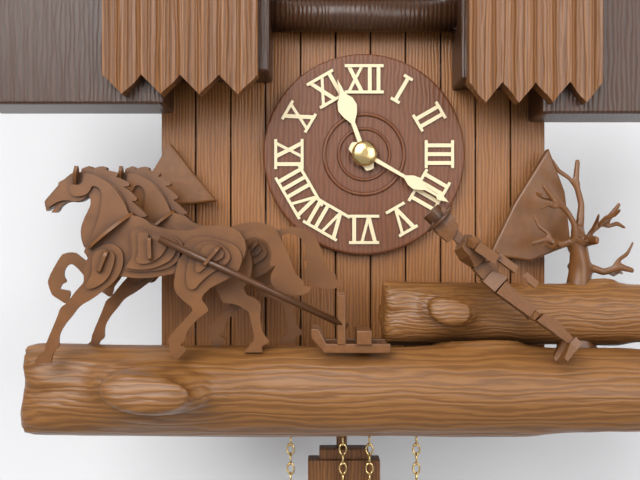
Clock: 11,20
